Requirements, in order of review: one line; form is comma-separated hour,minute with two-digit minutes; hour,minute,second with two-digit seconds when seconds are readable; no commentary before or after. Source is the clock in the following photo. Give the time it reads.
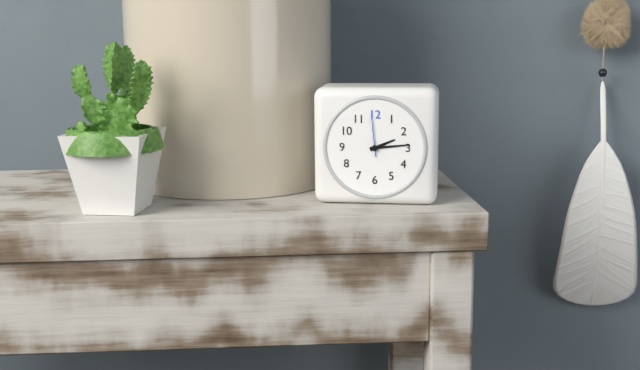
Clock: 2,14
